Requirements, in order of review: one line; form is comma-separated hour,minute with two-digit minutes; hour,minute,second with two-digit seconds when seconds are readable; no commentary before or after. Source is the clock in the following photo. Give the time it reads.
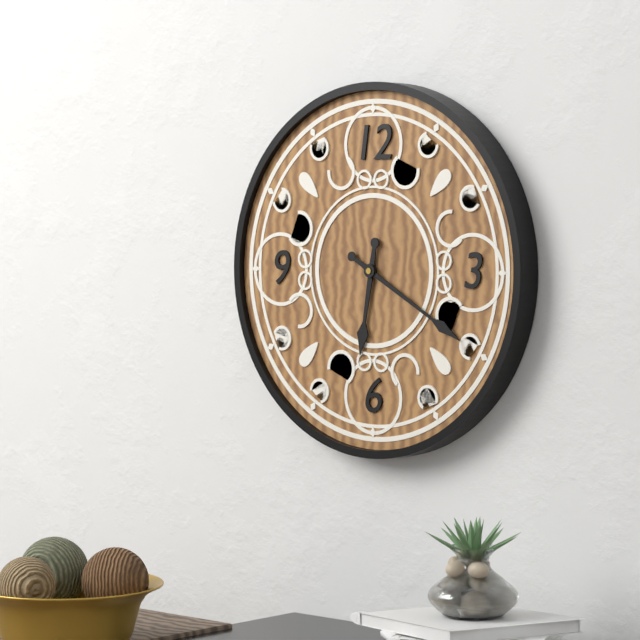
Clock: 6,20
